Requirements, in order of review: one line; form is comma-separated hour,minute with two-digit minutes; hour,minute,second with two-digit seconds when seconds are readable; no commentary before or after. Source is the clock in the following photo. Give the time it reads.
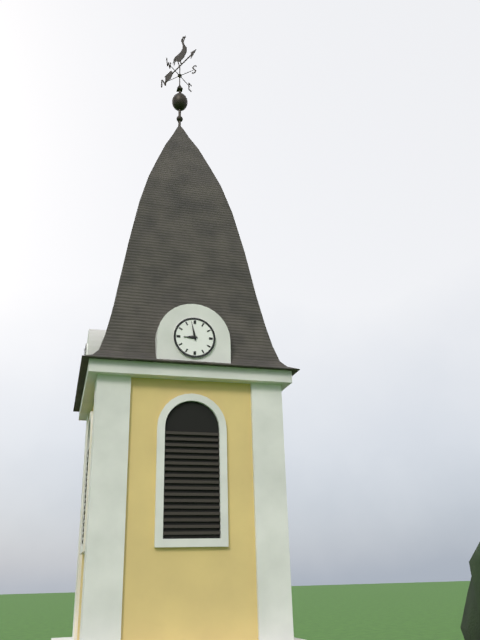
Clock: 8,58
